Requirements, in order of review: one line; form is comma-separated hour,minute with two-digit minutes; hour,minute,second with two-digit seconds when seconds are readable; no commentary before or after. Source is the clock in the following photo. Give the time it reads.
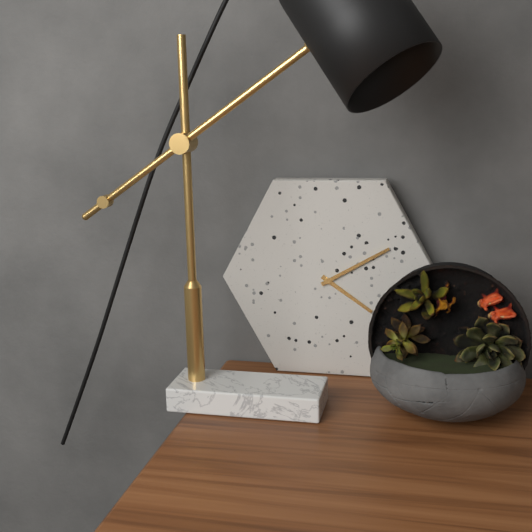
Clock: 4,10
